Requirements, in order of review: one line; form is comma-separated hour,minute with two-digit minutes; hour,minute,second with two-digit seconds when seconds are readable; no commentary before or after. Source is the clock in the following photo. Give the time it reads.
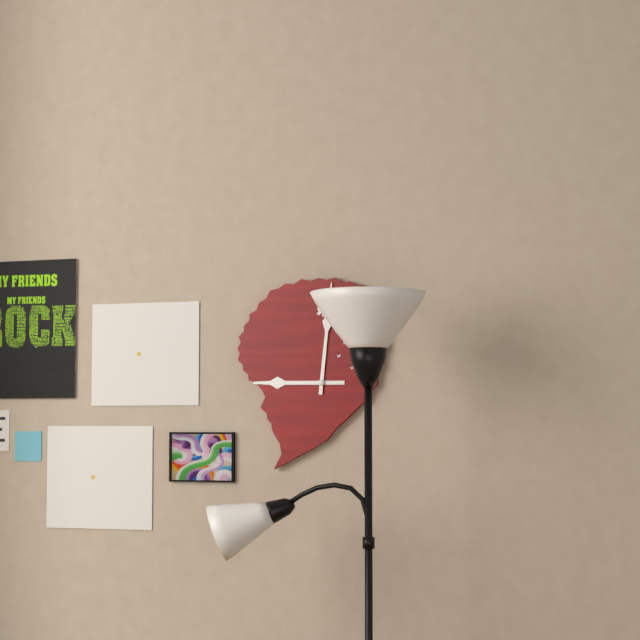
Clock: 9,01
